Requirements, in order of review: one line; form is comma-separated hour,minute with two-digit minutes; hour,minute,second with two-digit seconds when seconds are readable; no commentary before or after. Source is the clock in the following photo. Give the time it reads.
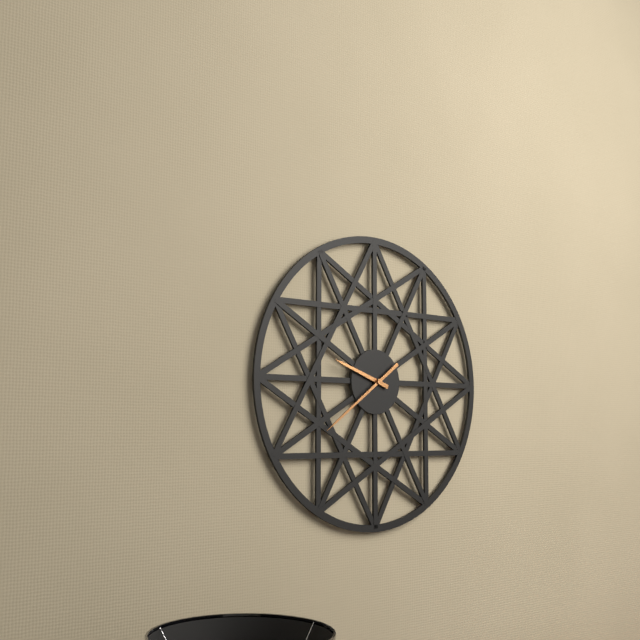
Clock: 9,39
